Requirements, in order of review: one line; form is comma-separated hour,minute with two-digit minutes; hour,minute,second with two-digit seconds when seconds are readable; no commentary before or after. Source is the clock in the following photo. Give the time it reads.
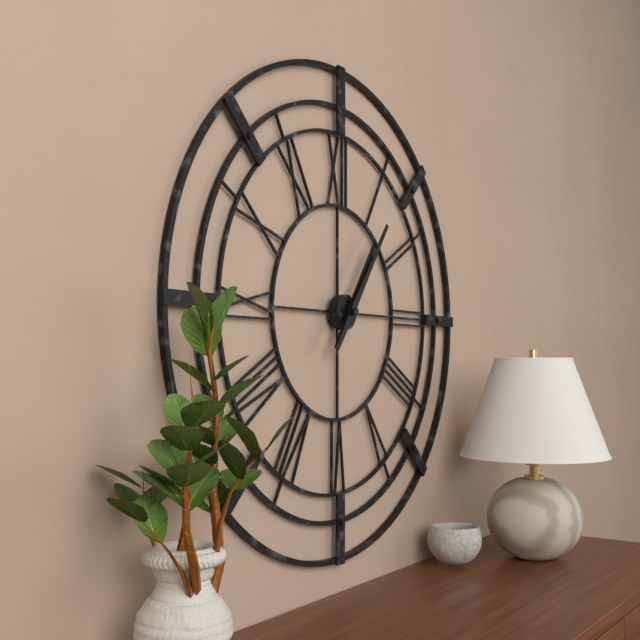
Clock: 1,06
